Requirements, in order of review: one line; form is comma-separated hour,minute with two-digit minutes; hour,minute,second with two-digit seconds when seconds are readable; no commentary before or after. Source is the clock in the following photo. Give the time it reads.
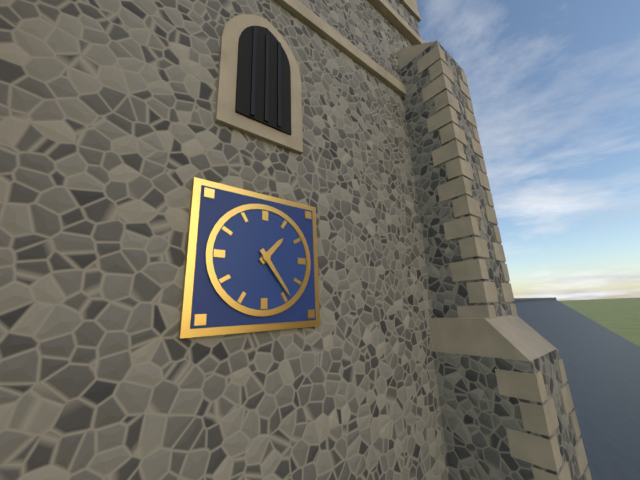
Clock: 1,24
